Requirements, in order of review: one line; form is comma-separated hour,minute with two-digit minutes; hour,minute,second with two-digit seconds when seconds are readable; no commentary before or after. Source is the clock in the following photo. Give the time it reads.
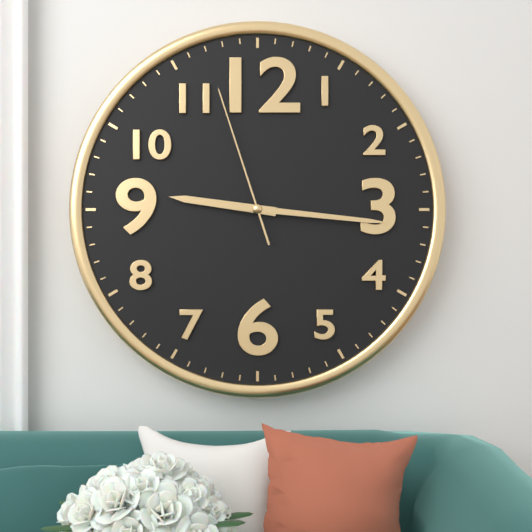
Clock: 9,16,57
